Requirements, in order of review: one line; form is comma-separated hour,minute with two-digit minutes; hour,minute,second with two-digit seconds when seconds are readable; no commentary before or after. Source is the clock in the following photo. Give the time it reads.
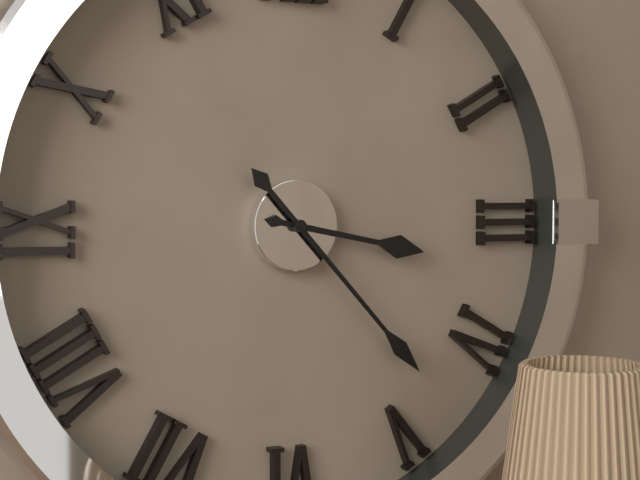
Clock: 3,23
